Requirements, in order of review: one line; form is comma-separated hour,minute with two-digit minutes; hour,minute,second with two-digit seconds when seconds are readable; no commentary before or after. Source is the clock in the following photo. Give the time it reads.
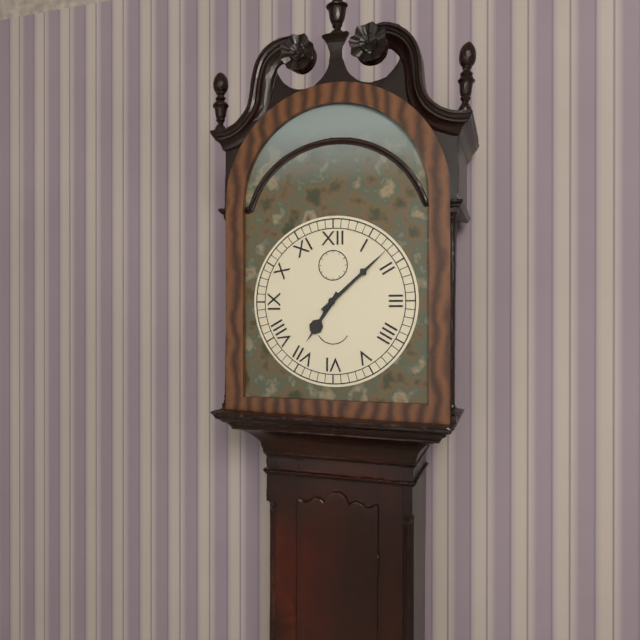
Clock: 7,08
